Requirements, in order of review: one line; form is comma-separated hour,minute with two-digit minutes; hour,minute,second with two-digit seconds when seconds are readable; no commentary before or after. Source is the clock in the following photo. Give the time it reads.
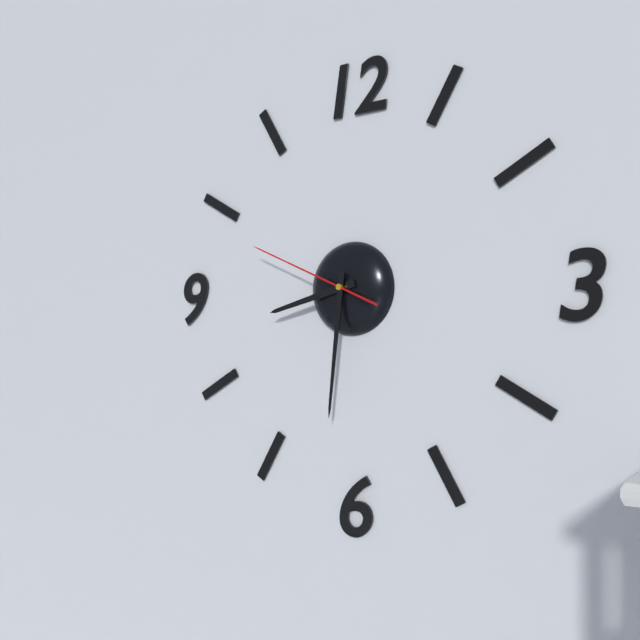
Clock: 8,31,49
